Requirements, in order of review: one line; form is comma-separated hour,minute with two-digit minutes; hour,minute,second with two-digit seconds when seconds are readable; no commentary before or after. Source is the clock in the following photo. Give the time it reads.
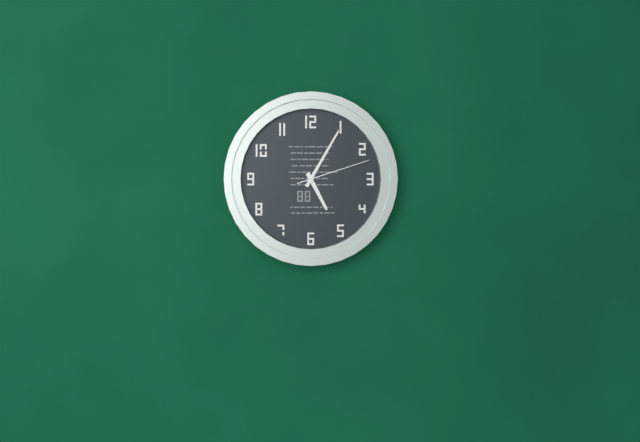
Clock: 5,05,12
